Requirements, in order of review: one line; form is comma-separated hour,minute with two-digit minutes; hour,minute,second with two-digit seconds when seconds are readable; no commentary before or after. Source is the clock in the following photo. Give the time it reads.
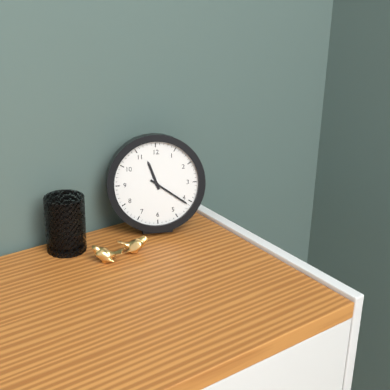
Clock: 11,21
